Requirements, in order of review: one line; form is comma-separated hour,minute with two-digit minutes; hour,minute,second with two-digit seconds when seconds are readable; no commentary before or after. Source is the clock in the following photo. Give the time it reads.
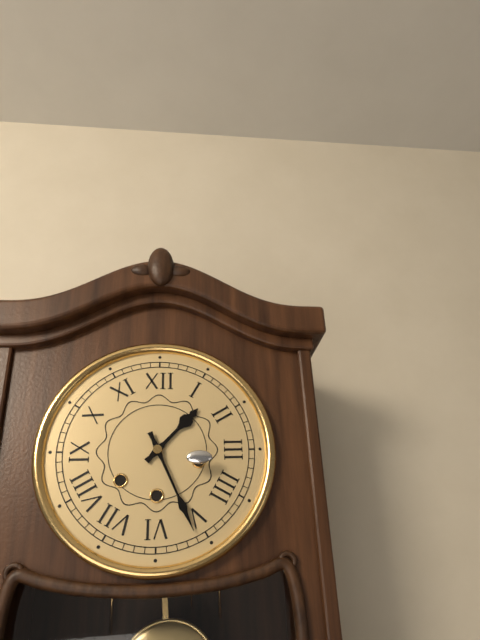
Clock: 1,26
